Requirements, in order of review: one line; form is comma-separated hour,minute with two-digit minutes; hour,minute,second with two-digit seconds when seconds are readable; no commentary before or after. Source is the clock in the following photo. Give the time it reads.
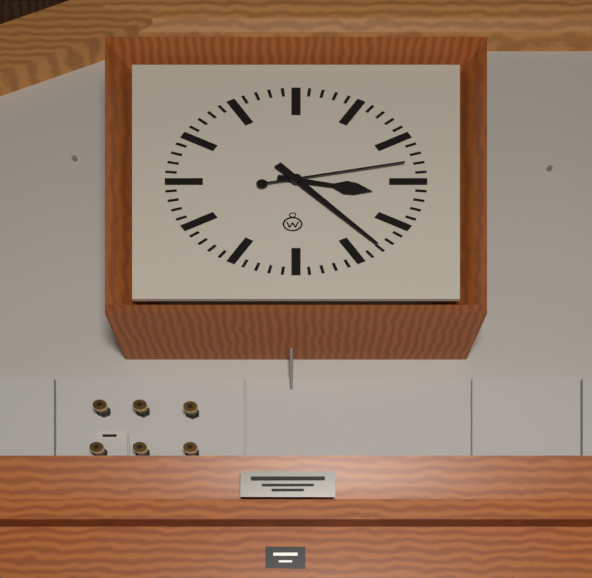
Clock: 3,23,13
